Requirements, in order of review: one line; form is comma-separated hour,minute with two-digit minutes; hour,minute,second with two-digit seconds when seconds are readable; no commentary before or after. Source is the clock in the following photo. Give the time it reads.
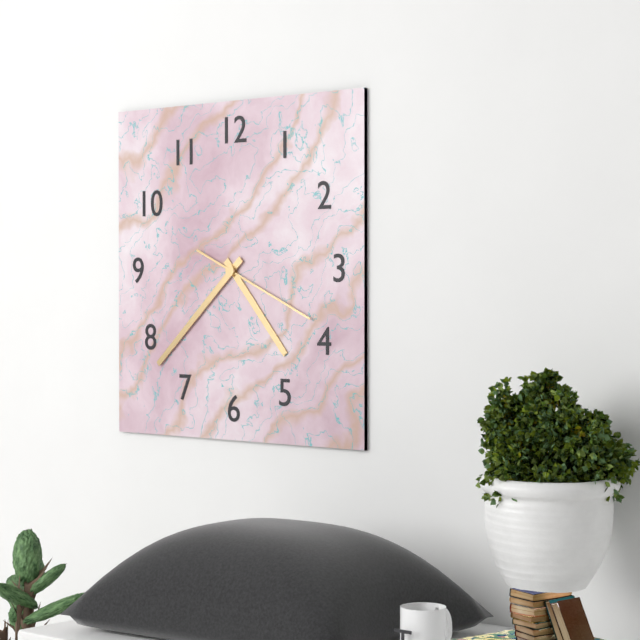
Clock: 4,38,19
